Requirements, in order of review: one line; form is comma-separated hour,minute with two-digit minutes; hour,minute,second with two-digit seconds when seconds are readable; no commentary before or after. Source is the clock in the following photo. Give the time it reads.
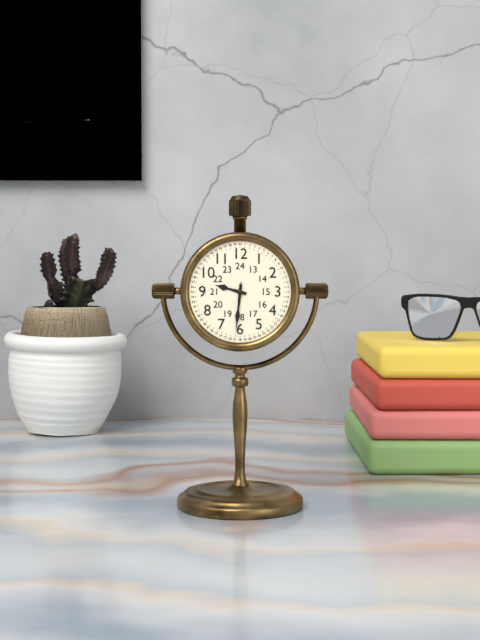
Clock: 9,31,31
